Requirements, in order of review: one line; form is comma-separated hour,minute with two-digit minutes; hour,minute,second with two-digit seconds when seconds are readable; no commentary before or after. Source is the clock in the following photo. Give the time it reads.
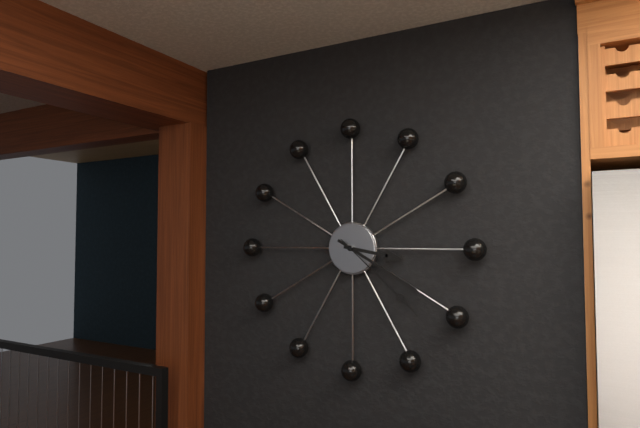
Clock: 3,20,22
